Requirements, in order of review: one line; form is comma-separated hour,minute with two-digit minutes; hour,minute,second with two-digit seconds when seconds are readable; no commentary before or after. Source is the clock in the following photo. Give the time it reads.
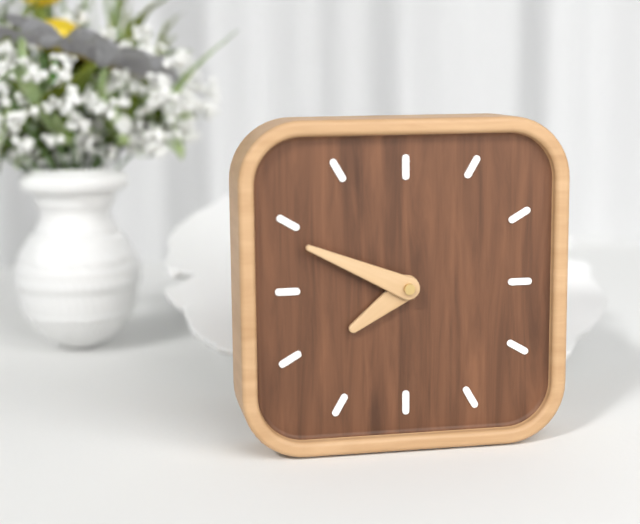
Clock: 7,49
